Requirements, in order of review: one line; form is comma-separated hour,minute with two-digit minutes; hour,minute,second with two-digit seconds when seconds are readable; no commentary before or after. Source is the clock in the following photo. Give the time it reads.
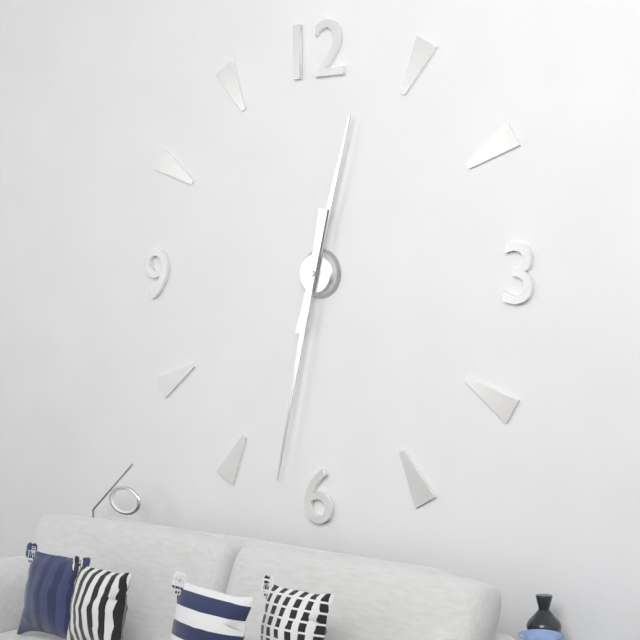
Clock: 12,32
